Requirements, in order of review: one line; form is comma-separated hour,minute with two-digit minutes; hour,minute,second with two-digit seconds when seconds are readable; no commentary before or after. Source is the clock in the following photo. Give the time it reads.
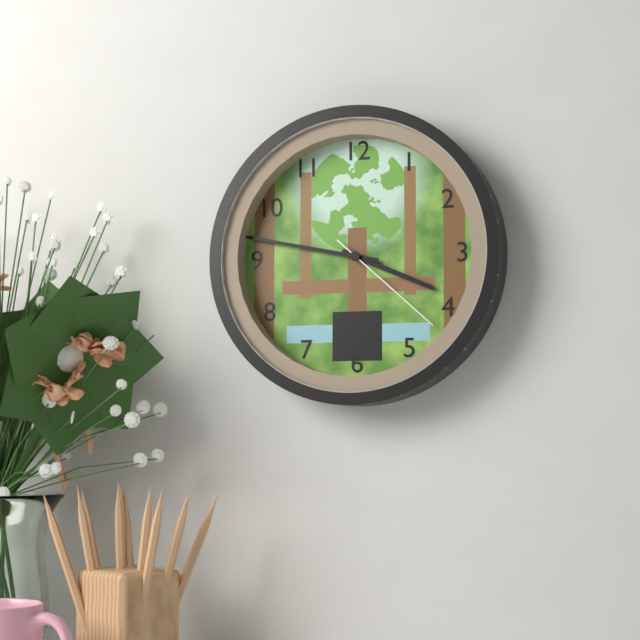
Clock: 3,47,22
